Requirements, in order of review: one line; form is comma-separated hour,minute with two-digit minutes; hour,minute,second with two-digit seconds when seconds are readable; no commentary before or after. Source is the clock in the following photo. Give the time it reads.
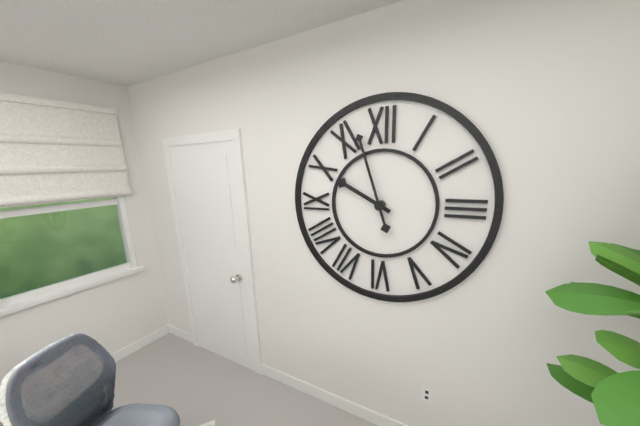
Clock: 9,57
